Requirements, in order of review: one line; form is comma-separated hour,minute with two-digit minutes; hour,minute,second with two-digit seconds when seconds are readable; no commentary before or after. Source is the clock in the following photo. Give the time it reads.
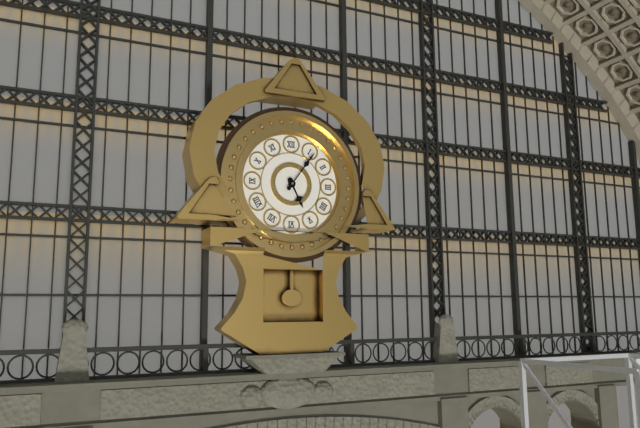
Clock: 5,06
